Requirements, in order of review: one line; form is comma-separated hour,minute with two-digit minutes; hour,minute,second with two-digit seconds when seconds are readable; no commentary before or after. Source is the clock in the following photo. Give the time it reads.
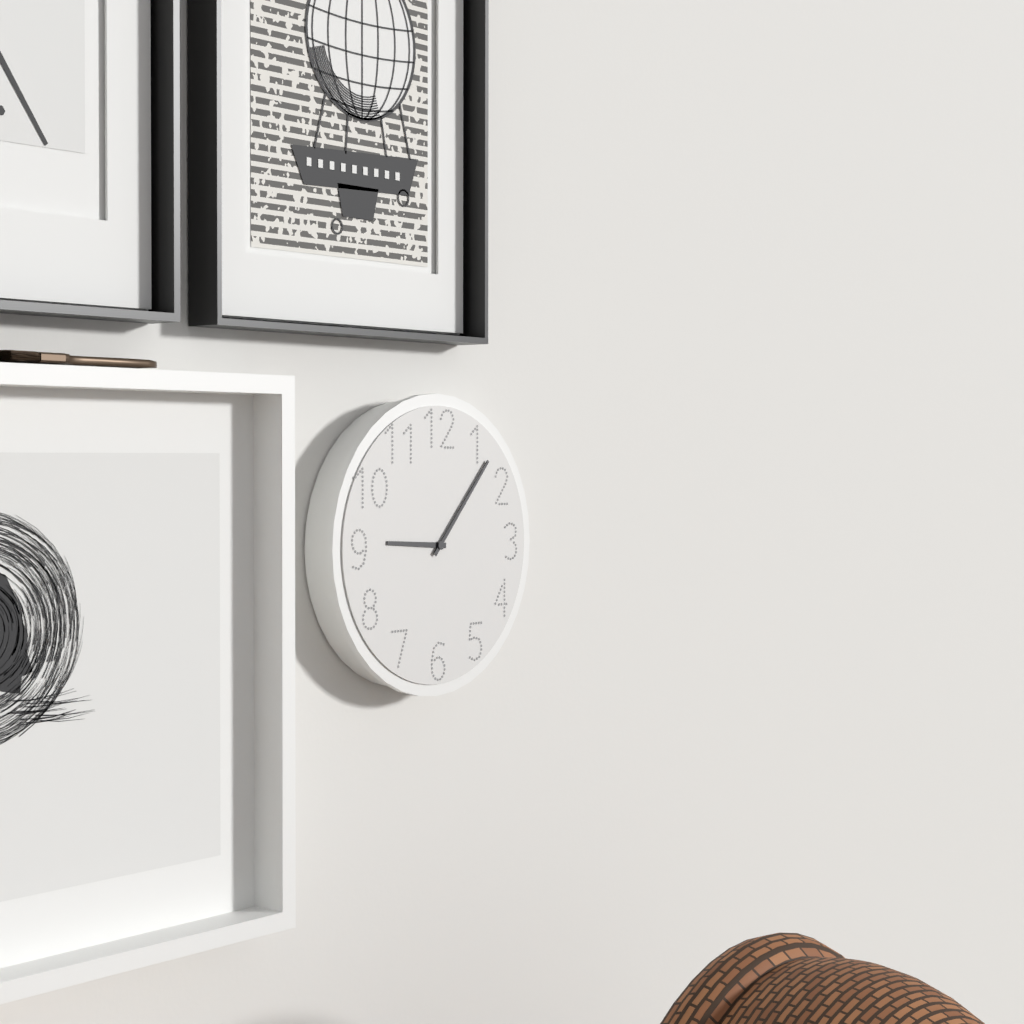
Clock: 9,07
